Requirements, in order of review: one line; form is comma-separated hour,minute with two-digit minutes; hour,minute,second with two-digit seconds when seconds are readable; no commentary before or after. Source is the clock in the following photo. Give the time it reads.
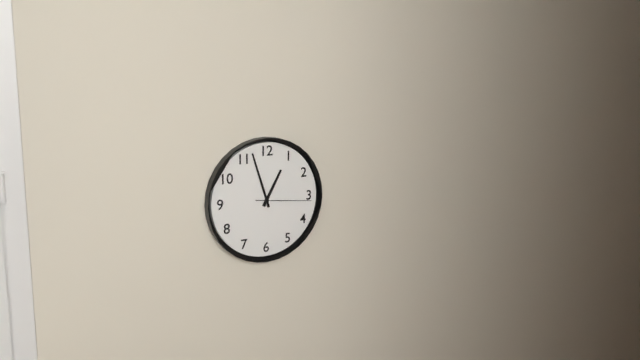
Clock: 12,57,16
